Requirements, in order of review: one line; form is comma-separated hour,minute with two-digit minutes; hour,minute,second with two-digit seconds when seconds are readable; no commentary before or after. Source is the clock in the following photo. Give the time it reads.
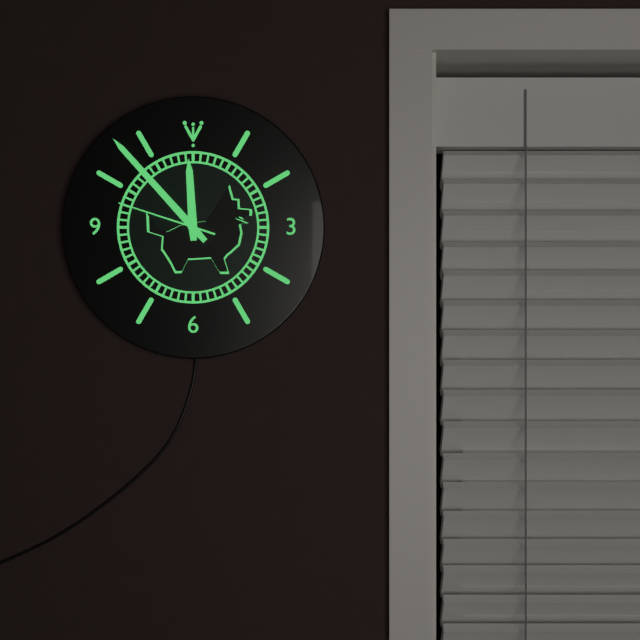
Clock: 11,53,48
